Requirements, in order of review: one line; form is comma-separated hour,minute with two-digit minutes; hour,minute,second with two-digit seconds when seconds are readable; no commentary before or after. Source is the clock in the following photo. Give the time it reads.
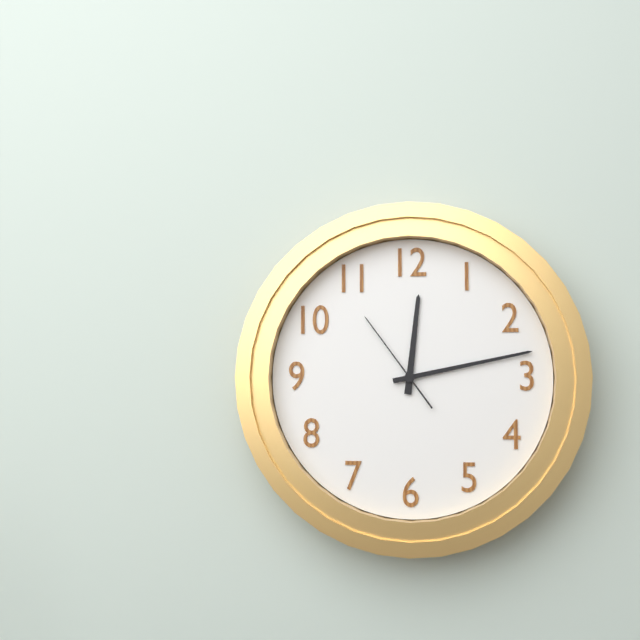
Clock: 12,13,54
